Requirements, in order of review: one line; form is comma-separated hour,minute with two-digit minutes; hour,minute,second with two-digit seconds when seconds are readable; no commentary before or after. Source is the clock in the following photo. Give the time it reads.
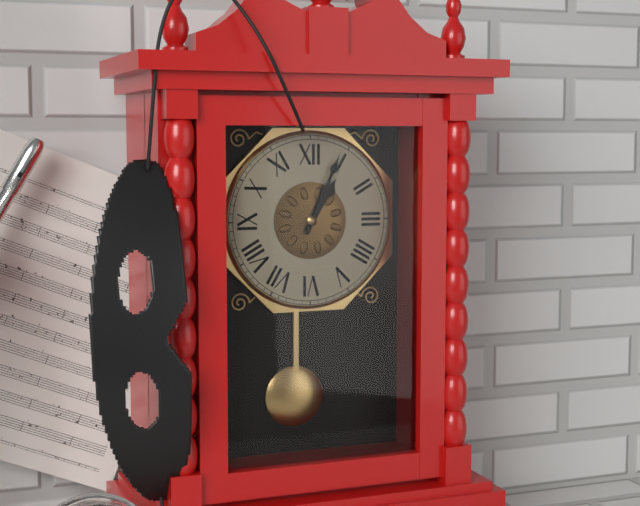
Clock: 1,04
